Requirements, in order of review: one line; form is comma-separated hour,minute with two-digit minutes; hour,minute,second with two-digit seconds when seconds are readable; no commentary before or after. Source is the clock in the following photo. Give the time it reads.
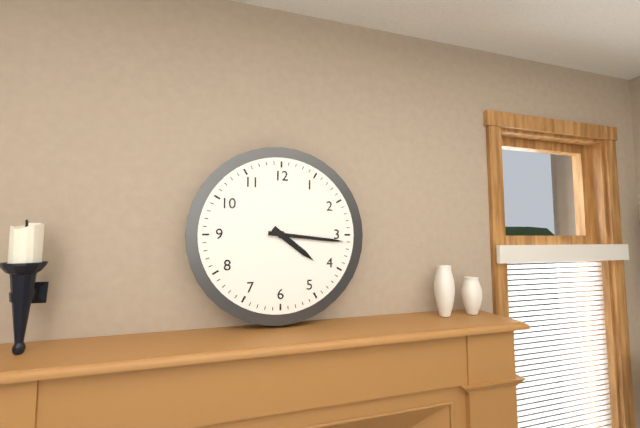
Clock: 4,16
